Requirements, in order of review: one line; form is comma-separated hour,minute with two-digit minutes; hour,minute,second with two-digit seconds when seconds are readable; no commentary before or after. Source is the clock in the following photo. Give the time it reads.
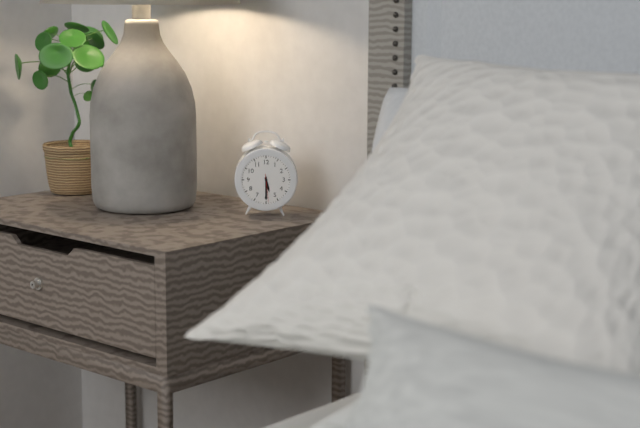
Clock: 5,30
